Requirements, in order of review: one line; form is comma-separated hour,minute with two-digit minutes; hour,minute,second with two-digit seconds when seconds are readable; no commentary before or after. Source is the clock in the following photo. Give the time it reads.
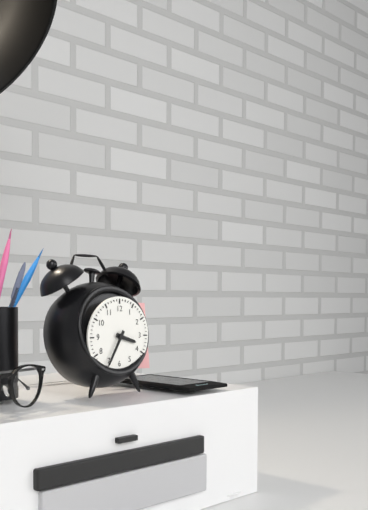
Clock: 3,35
